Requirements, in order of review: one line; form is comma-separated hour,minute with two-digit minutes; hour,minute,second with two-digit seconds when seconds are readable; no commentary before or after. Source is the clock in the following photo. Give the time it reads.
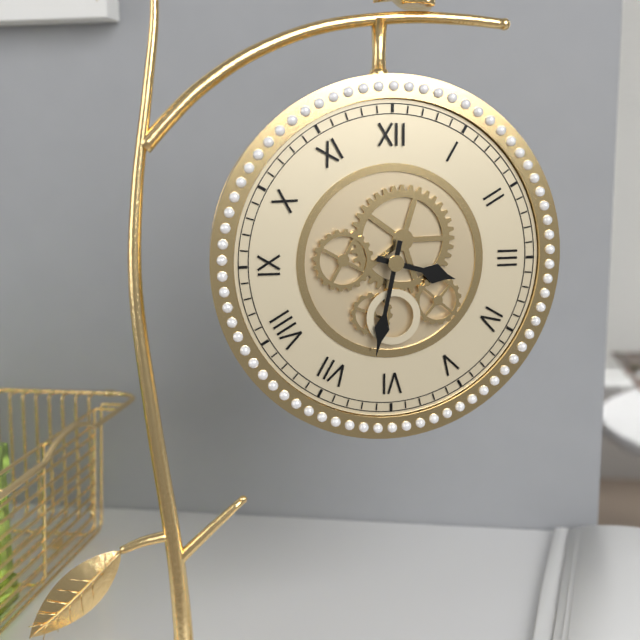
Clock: 3,32
